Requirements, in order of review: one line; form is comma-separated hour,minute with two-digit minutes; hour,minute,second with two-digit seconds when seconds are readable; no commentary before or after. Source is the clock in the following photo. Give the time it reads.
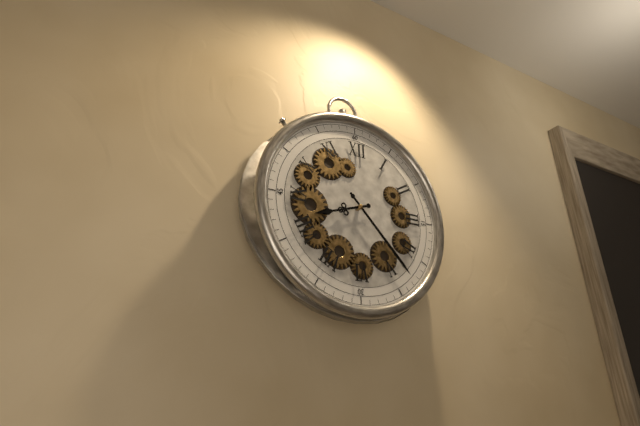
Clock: 8,23
